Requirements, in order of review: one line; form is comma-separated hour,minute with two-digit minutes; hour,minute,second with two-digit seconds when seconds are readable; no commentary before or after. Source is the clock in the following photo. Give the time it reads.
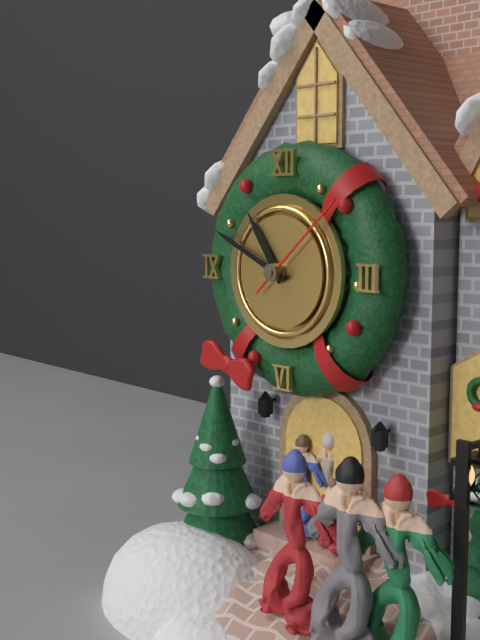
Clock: 10,49,08
